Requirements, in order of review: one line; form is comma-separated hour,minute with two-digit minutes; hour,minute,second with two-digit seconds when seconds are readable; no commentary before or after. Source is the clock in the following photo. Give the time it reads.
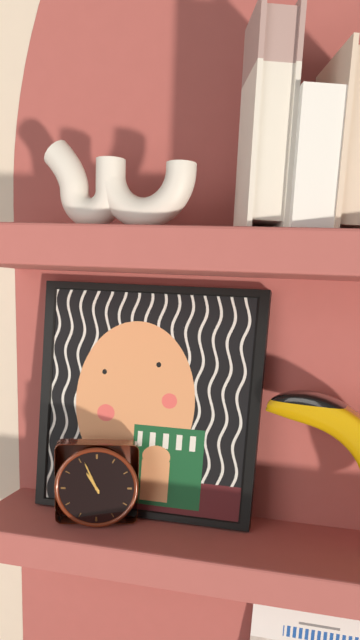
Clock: 10,56
